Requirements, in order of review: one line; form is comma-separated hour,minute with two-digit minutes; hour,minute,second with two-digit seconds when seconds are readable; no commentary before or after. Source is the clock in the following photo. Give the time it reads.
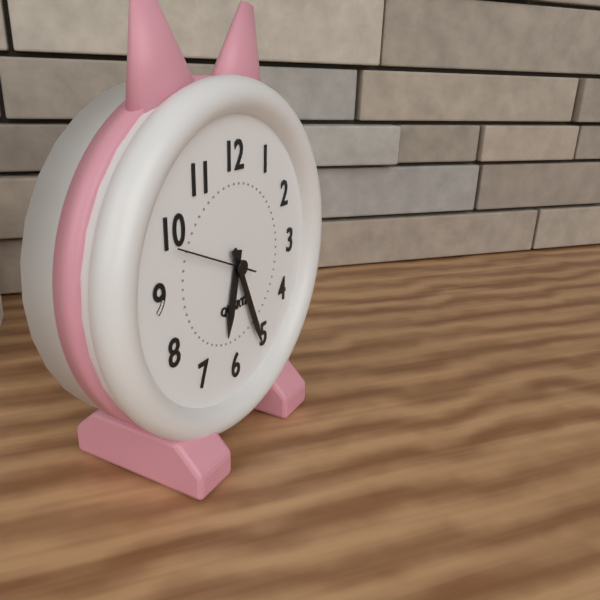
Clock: 6,26,49
